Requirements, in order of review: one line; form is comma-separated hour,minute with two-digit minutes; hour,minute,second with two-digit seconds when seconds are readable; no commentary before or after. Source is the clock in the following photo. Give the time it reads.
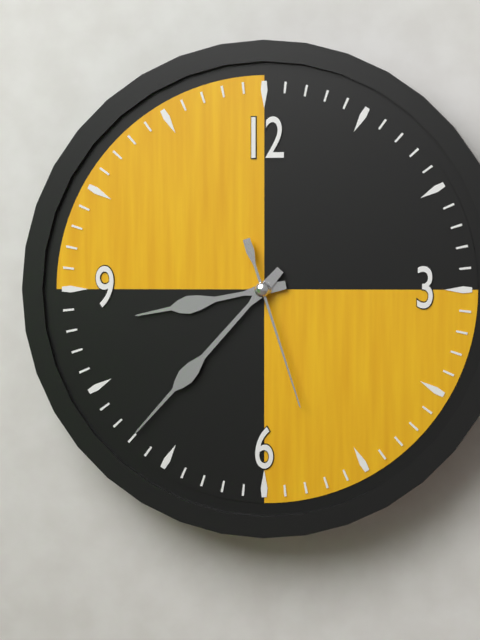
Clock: 8,37,27
